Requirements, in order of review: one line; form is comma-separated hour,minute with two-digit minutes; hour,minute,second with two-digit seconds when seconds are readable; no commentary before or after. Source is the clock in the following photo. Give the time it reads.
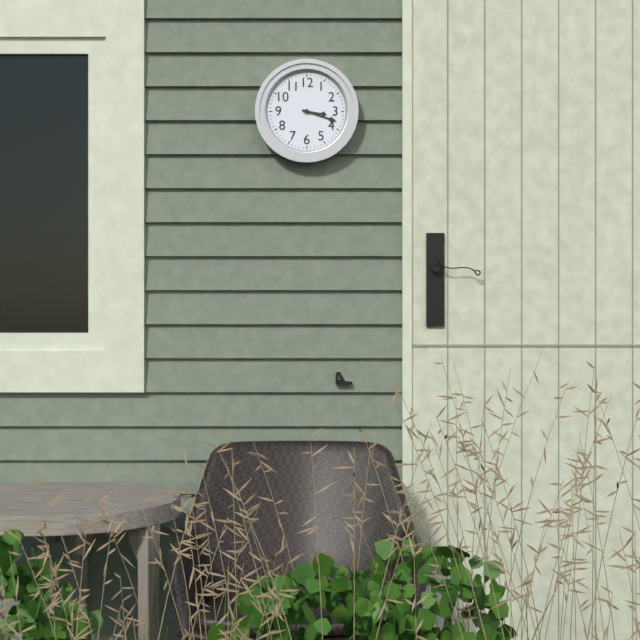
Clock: 3,18
